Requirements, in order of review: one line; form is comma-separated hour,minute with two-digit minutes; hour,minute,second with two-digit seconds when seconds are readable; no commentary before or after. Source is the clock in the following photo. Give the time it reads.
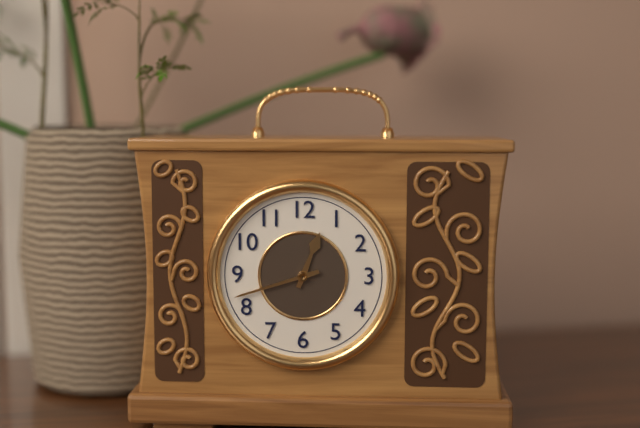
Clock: 12,42
